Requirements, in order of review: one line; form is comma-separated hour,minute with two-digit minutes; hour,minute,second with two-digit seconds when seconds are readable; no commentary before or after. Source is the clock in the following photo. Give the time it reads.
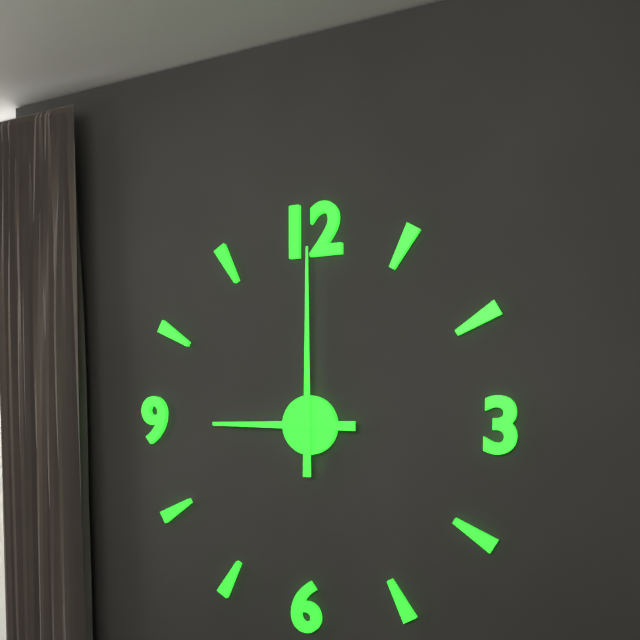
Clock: 9,00
